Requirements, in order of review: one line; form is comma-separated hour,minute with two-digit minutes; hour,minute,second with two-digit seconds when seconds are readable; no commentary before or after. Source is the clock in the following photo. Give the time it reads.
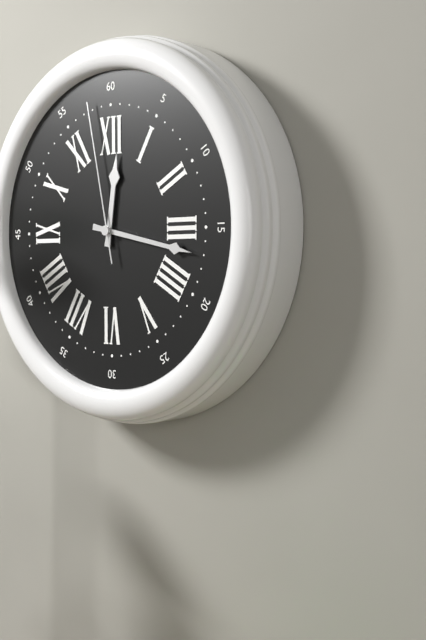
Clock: 12,17,58
